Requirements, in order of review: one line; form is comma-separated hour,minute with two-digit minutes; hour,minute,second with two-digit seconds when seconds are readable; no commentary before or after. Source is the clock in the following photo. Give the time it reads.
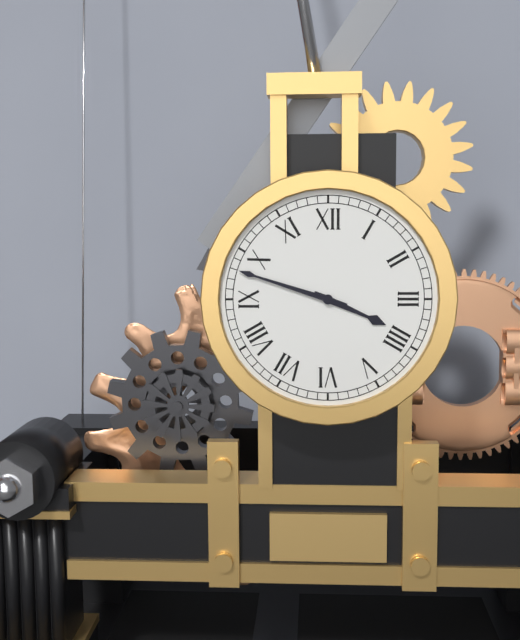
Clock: 3,48
